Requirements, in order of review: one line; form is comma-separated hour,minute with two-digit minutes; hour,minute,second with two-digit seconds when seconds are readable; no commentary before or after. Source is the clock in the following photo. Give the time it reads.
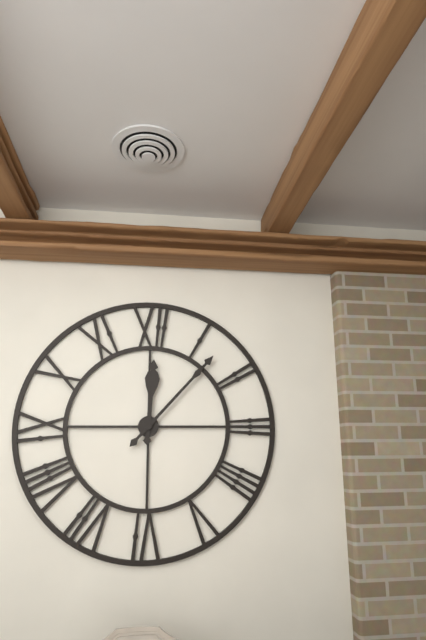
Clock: 12,07
